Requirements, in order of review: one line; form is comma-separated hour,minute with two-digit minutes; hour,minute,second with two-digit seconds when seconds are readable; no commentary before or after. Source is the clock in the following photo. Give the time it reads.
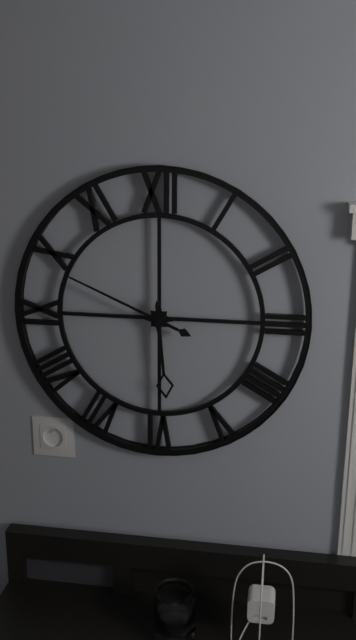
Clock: 5,49
